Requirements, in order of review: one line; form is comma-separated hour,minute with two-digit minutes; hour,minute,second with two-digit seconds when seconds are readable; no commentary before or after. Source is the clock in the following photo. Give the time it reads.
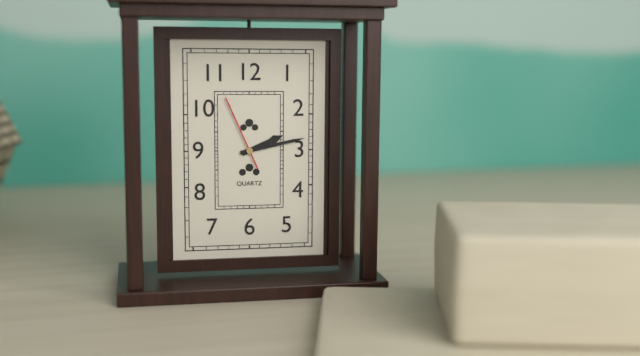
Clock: 2,13,56
